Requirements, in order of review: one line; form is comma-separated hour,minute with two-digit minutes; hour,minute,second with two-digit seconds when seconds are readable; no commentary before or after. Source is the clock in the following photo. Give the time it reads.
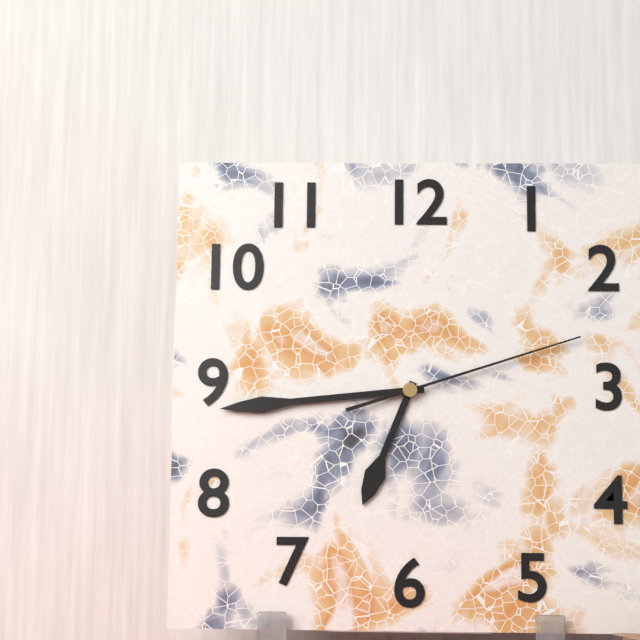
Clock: 6,44,12
